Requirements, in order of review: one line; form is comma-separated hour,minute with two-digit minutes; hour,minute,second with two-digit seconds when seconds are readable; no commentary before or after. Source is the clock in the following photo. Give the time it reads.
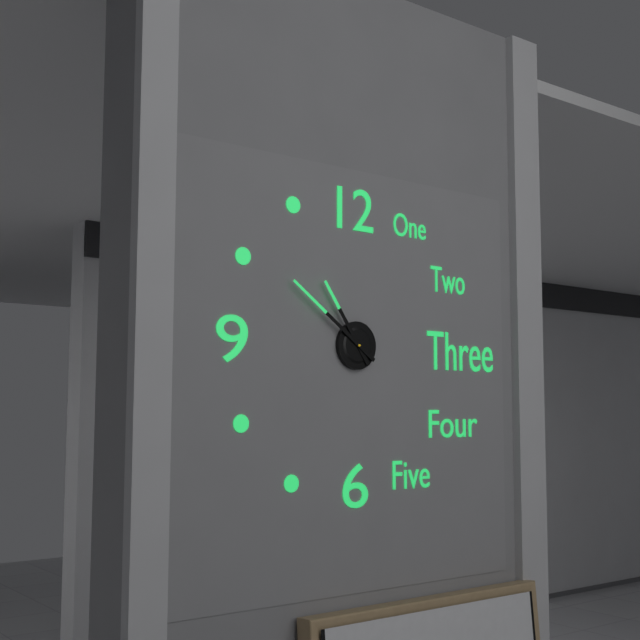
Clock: 10,51
